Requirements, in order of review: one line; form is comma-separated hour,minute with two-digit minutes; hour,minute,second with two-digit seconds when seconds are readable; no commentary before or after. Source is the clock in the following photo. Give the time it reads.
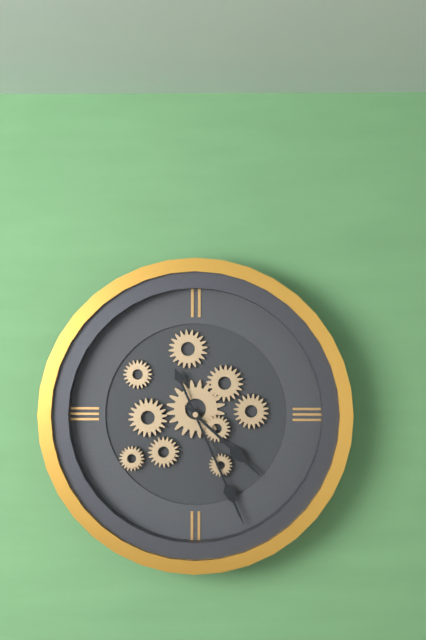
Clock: 4,26
